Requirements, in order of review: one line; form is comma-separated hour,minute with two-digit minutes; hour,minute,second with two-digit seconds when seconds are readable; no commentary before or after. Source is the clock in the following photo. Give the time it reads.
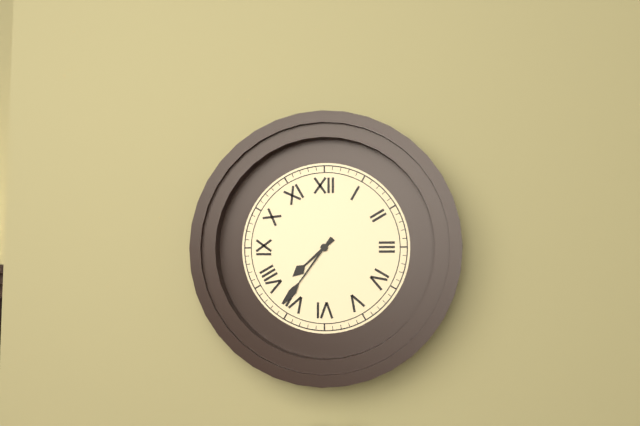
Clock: 7,36
